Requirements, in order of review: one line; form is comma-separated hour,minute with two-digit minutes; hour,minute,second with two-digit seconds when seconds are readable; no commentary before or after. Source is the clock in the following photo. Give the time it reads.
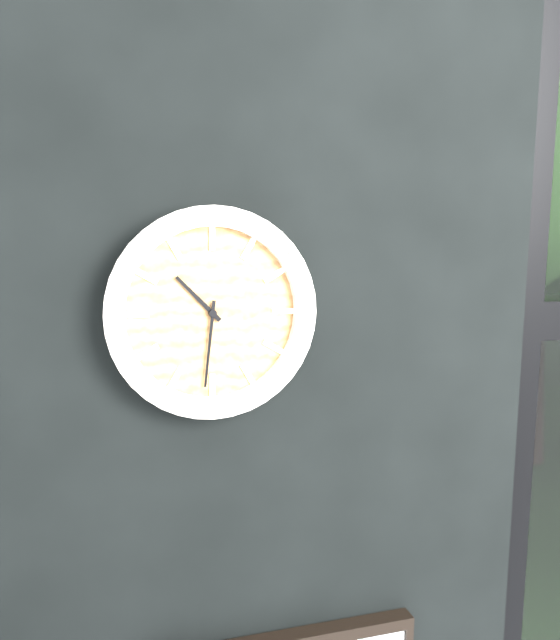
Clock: 10,31
